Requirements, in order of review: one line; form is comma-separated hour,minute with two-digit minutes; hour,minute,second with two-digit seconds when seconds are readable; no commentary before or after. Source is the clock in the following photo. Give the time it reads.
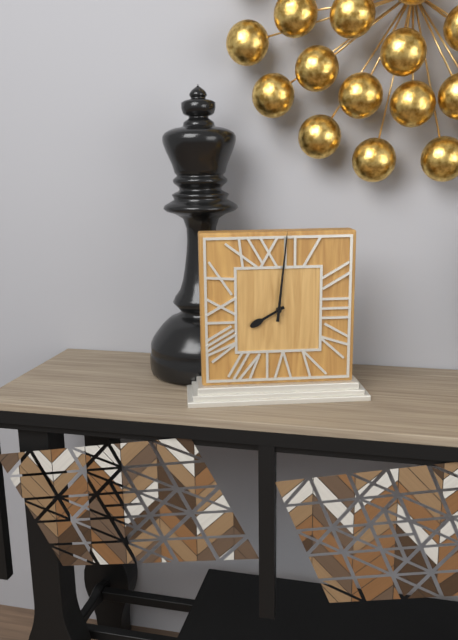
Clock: 8,01
